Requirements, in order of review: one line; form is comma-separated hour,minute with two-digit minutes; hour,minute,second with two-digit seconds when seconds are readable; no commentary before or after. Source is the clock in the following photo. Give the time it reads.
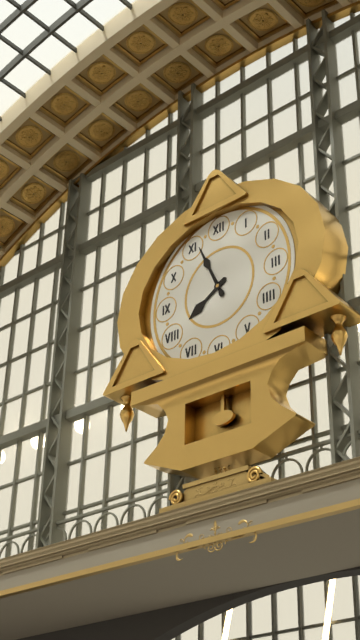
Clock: 7,56
